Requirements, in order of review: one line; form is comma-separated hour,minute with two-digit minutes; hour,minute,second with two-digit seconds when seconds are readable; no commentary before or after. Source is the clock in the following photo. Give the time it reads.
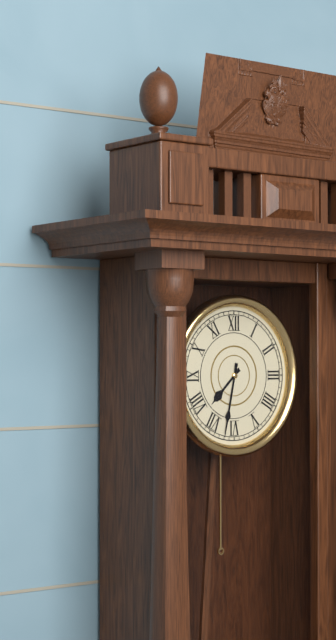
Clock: 7,32
